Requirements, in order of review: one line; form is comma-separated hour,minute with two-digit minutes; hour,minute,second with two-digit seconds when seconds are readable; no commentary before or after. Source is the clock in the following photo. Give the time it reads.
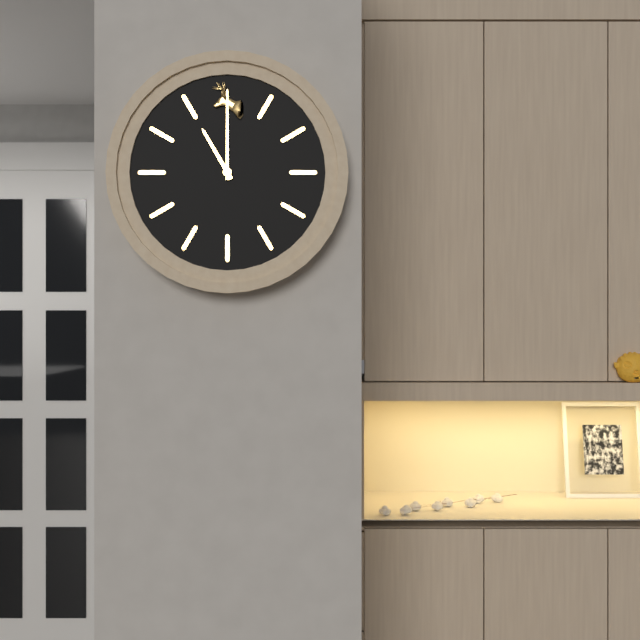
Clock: 11,00
